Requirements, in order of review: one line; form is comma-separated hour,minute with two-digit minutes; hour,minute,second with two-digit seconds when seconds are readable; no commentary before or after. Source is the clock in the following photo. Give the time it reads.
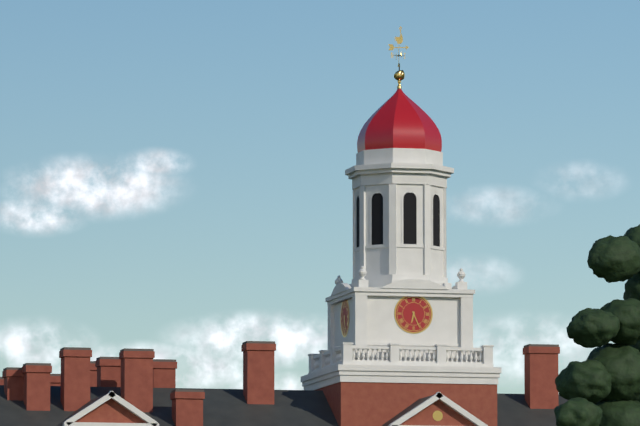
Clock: 6,26
